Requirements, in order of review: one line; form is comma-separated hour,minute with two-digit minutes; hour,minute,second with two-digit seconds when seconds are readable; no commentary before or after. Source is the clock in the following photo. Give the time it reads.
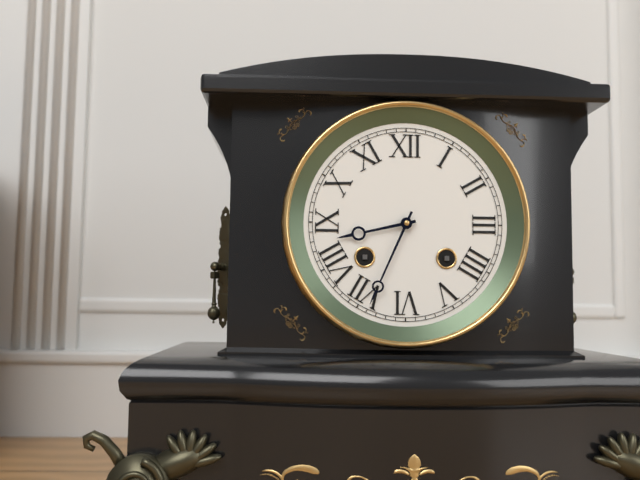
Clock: 8,34
